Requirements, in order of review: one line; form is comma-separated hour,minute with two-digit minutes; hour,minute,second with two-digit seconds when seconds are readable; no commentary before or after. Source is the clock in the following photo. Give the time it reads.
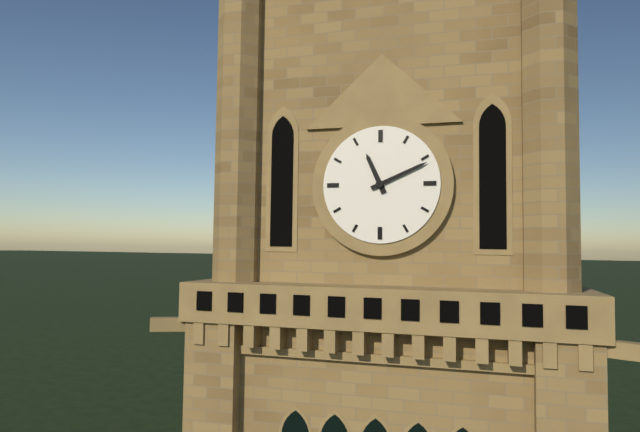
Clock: 11,11
